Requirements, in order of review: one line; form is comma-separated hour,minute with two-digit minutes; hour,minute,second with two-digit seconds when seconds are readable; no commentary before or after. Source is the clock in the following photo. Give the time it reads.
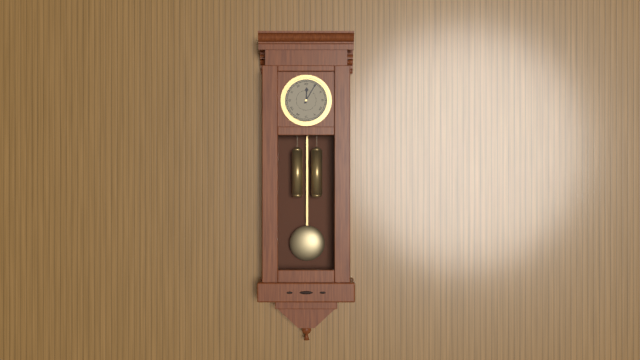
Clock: 12,05
